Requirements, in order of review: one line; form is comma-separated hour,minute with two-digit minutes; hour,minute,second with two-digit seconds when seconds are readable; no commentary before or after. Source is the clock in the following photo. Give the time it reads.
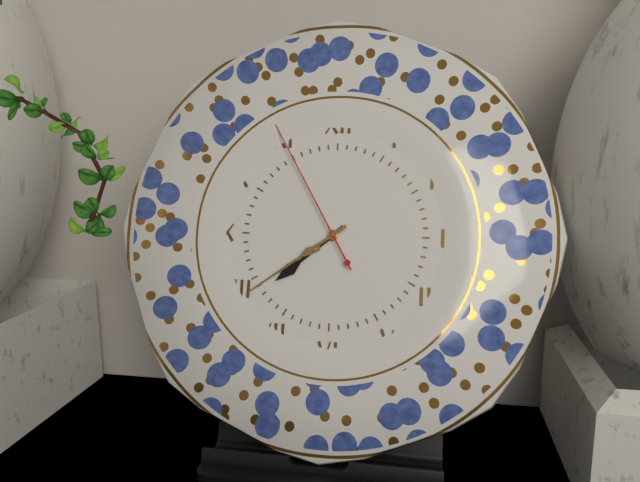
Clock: 7,39,55
